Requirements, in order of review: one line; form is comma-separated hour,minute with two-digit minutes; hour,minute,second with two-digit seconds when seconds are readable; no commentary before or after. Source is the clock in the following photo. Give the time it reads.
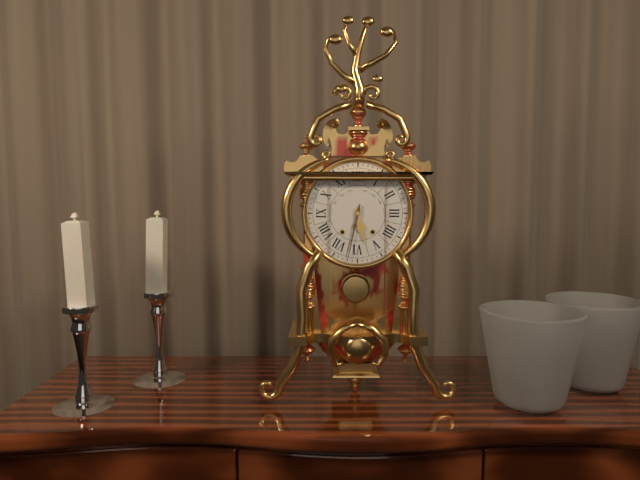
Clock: 5,32
